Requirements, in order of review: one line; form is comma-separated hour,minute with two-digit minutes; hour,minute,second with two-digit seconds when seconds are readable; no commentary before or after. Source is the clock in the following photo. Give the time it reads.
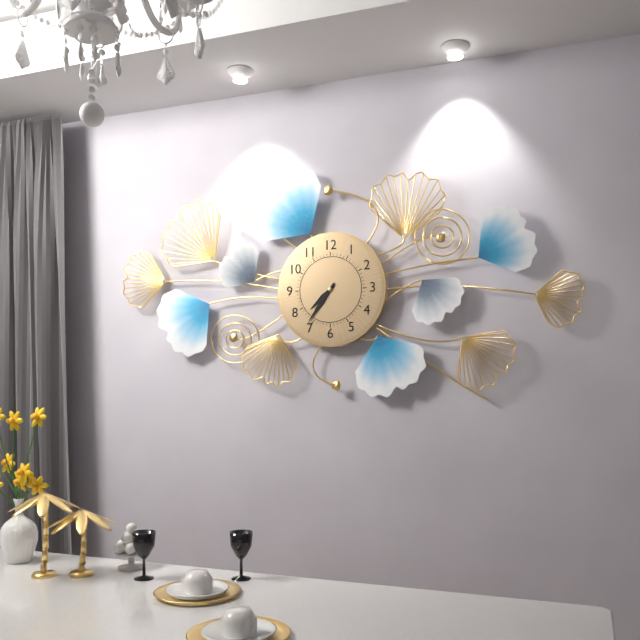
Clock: 7,36
